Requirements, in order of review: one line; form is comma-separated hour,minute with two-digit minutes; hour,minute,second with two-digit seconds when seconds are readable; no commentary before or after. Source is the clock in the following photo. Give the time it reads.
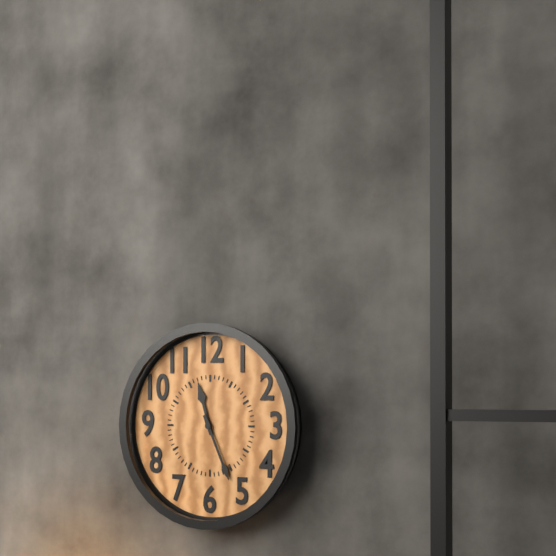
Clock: 11,26
